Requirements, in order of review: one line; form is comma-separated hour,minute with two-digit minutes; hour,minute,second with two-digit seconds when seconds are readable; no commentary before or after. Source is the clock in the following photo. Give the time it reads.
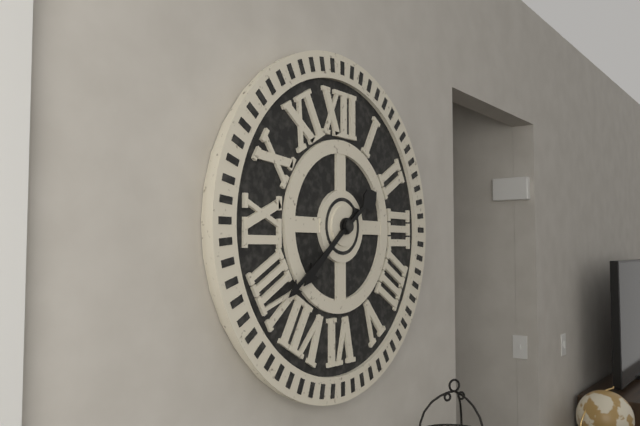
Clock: 7,39
